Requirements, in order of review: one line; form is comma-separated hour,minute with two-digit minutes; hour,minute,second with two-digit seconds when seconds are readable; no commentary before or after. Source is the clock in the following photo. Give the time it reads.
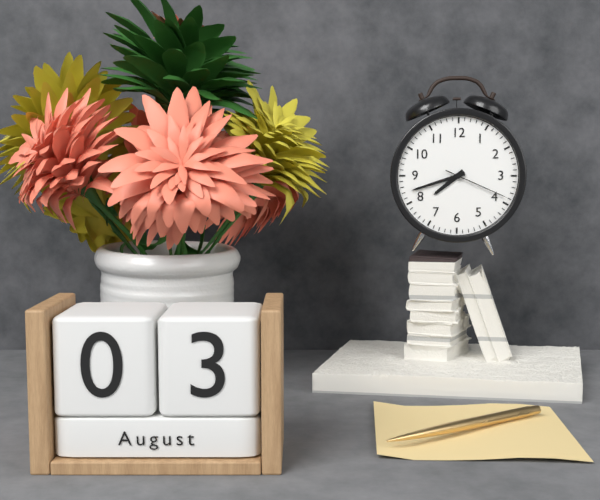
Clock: 7,42,19
